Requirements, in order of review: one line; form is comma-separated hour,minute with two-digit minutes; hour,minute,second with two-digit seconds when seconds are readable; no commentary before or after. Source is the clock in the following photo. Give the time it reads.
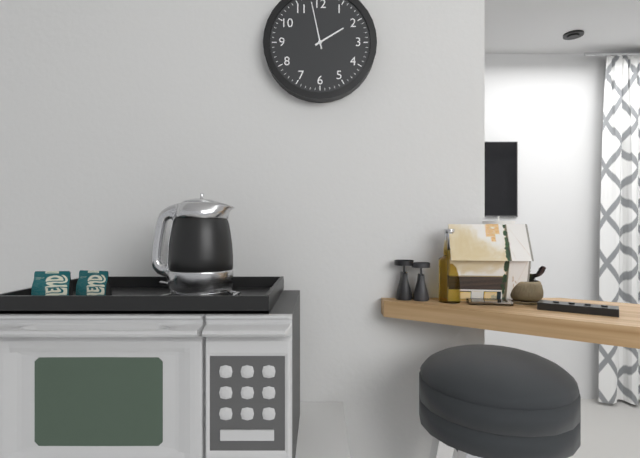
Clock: 1,58
